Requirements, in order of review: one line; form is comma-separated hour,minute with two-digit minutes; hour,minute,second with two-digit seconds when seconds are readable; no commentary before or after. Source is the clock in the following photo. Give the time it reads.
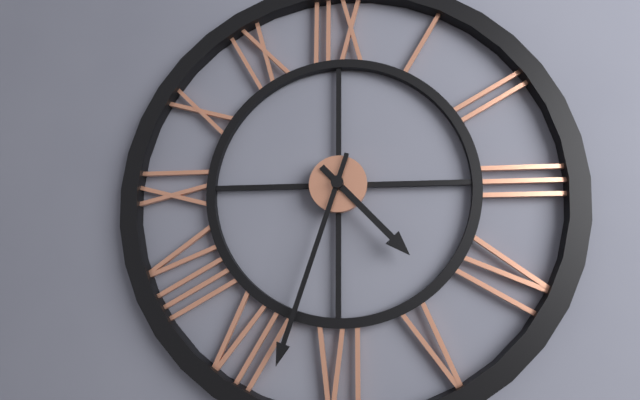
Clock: 4,33
